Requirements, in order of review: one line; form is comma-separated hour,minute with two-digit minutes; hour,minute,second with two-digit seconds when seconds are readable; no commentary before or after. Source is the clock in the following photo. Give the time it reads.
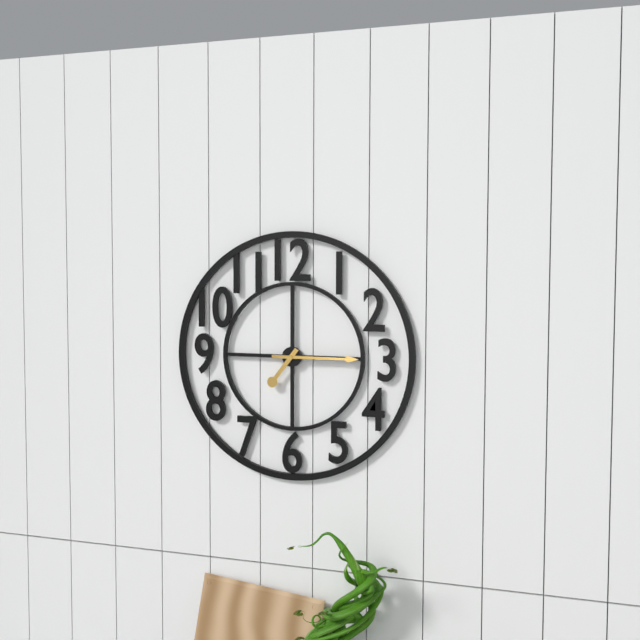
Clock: 7,15
